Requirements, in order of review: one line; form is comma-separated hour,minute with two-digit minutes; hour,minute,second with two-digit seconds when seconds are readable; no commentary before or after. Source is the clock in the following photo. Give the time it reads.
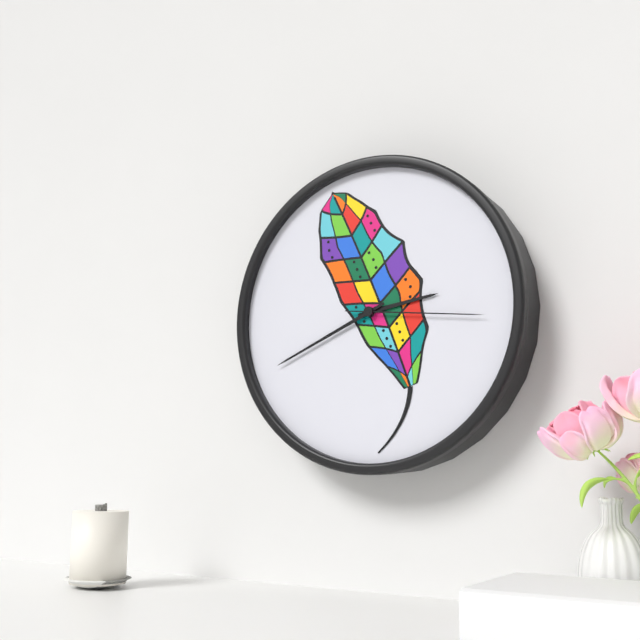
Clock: 2,41,16
